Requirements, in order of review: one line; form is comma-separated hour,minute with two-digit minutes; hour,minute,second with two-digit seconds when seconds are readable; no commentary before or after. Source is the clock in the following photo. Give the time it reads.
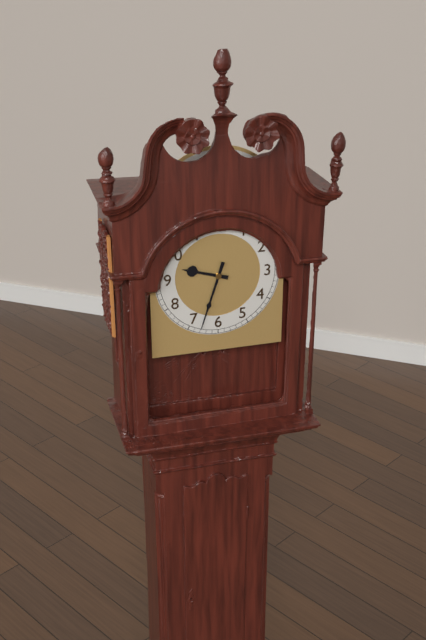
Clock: 9,33
